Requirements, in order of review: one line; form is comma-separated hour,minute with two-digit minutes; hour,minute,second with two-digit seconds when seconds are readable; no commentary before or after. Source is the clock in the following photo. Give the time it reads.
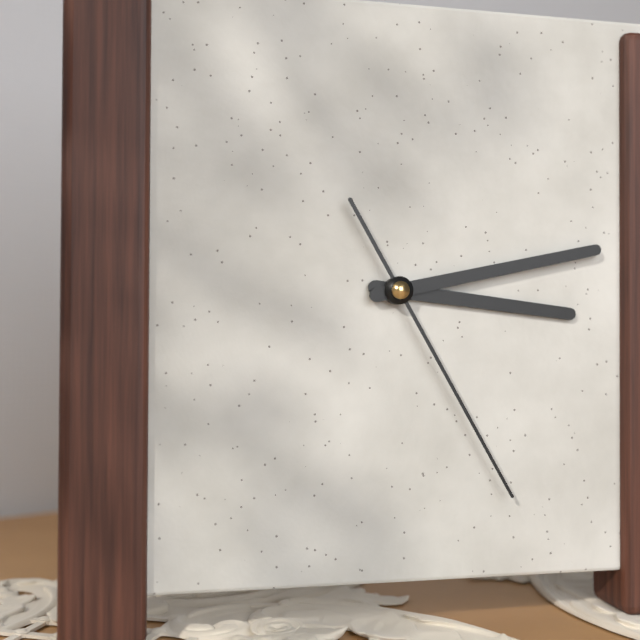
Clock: 3,13,25
